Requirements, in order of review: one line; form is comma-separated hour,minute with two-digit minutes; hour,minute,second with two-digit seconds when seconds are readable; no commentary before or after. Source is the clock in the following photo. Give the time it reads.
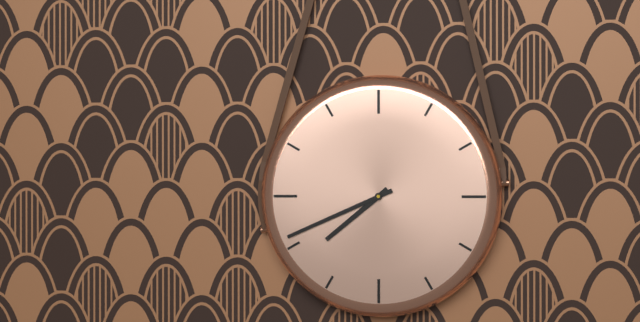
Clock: 7,41
